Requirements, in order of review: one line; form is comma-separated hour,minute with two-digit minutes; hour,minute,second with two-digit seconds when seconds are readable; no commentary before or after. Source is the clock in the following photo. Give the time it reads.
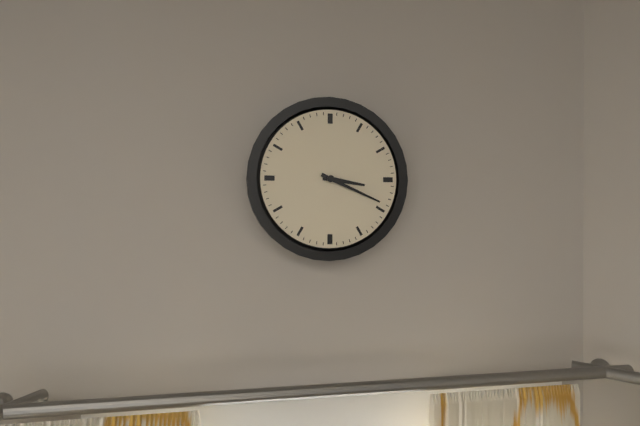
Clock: 3,19
